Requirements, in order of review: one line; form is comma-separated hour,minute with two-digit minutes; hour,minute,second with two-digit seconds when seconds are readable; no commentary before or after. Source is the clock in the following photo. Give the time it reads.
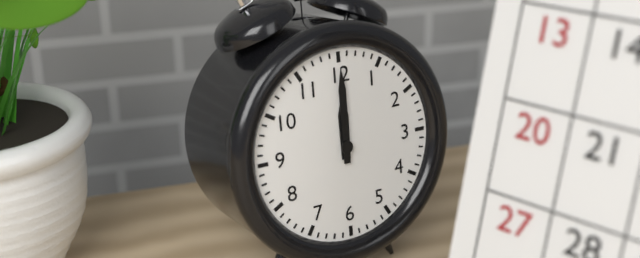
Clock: 12,00
